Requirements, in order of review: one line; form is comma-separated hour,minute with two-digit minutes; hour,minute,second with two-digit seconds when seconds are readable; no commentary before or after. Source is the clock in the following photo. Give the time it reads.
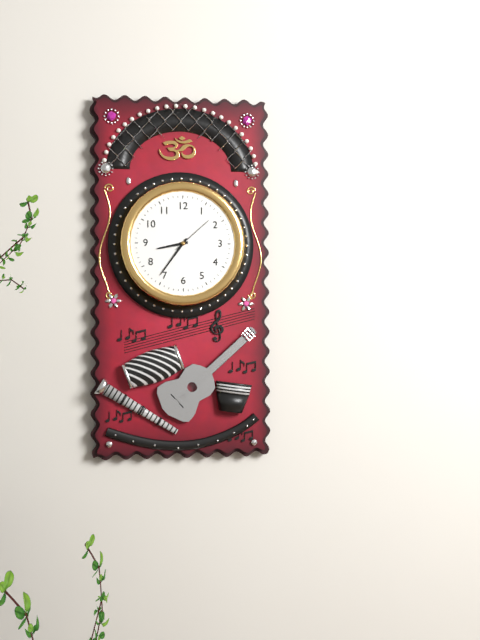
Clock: 8,36
